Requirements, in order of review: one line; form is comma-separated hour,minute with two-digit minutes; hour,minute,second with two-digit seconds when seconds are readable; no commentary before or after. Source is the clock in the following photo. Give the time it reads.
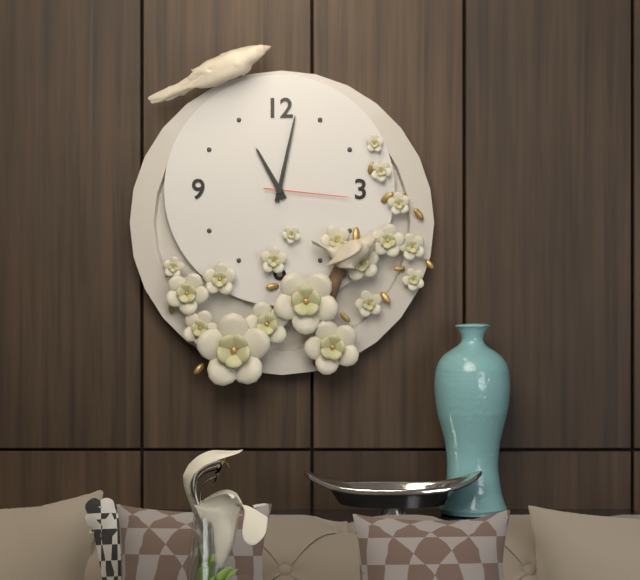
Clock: 11,02,16
